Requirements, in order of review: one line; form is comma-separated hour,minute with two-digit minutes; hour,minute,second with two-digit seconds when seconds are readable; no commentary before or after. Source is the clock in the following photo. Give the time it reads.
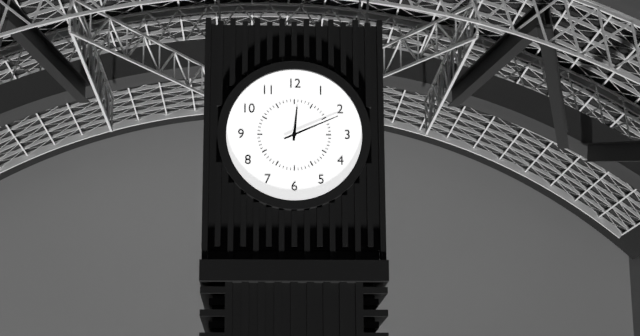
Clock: 12,11
